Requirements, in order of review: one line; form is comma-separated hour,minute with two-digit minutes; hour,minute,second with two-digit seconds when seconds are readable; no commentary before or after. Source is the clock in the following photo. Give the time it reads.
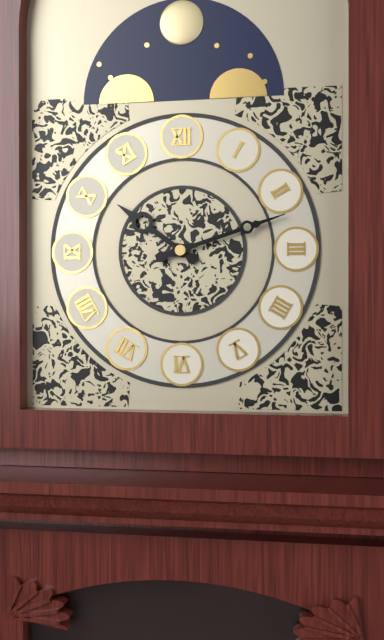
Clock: 10,12
